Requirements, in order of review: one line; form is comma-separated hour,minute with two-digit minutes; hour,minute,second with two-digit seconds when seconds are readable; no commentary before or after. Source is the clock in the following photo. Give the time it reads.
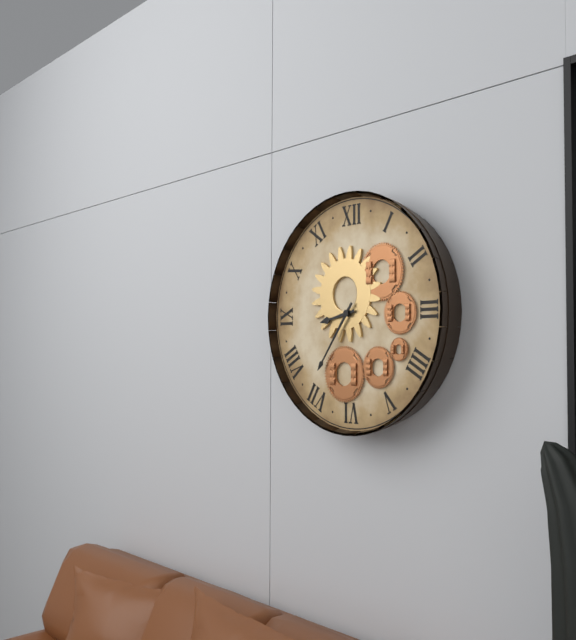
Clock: 8,36
